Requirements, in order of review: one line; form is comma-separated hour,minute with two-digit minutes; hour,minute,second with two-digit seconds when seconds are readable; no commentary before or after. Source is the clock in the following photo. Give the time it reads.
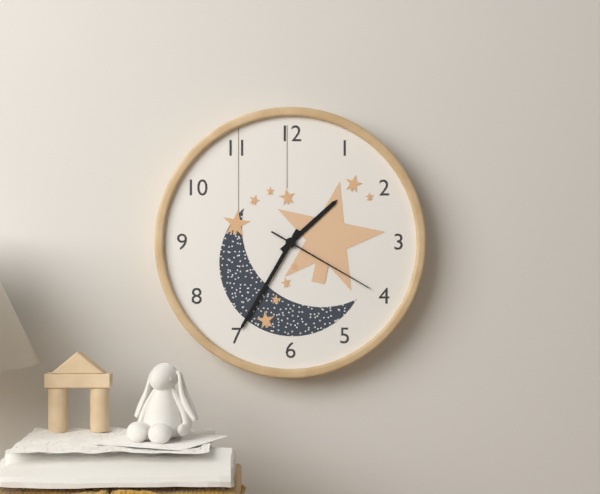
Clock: 1,35,20
